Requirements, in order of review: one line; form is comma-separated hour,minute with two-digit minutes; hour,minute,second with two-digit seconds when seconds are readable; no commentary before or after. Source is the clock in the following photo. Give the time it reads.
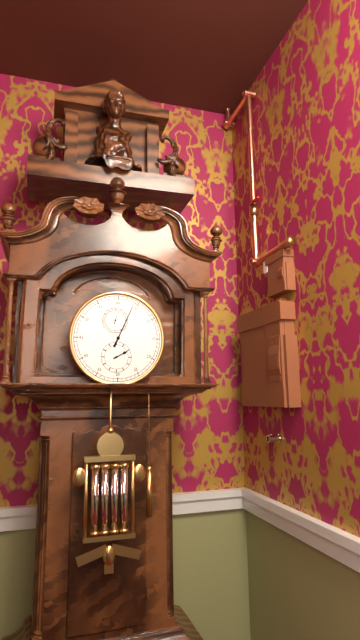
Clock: 2,04
